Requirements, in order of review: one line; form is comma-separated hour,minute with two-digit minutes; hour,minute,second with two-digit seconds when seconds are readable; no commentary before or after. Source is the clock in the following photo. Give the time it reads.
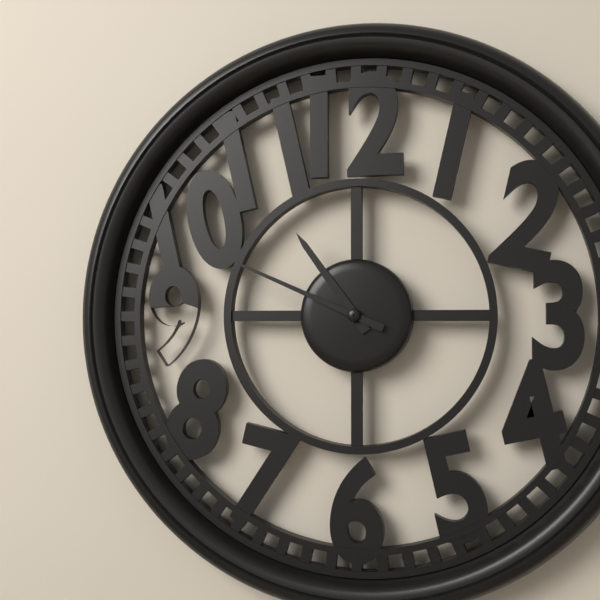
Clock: 10,49
